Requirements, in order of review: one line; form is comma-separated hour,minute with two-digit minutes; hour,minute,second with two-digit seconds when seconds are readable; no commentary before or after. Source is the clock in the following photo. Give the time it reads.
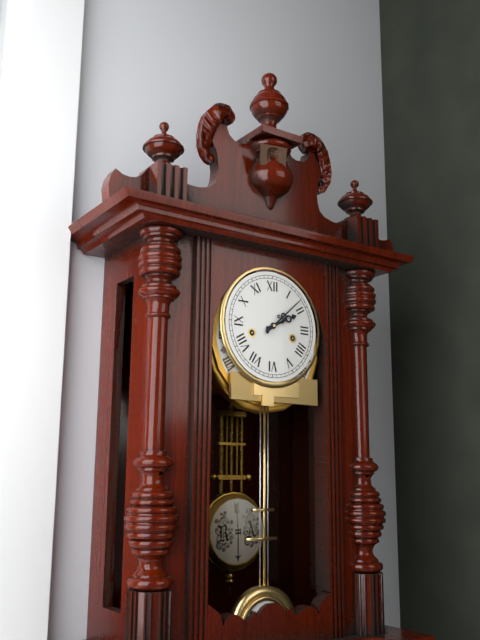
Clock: 2,08
